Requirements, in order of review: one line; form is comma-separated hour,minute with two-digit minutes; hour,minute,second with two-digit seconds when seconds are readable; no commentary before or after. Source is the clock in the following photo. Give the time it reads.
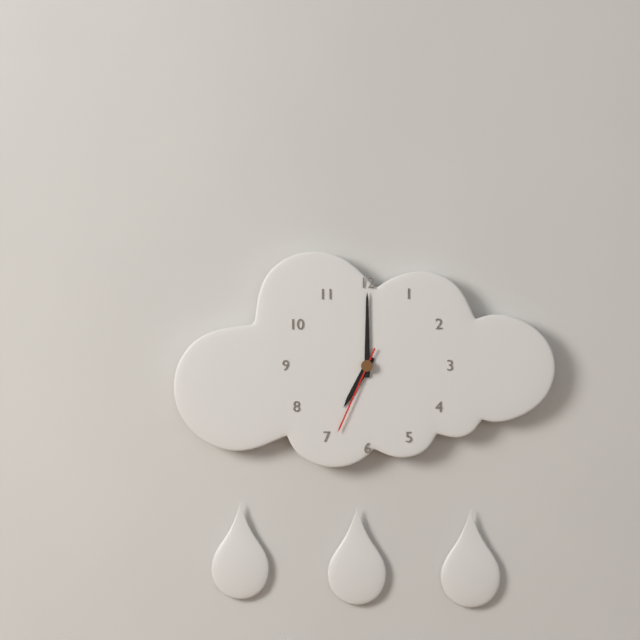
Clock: 7,00,34
